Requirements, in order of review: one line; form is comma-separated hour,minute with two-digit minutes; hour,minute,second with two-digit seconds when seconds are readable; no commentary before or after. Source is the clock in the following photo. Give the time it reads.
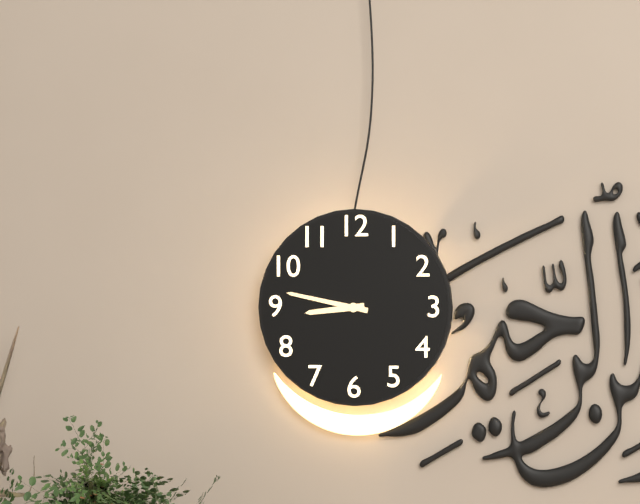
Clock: 8,47
